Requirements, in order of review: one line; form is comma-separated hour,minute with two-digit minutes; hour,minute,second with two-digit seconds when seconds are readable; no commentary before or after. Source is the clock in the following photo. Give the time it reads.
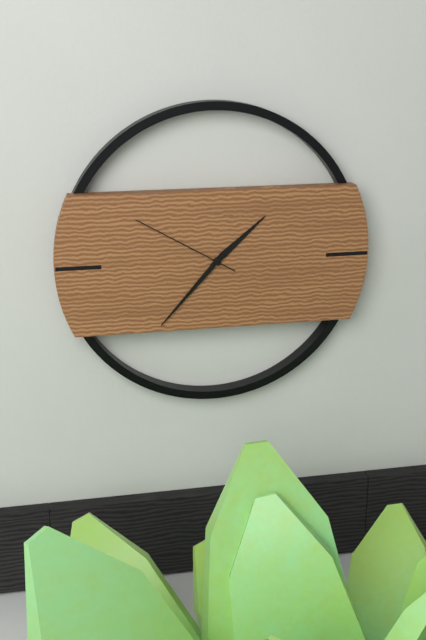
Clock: 1,37,50
